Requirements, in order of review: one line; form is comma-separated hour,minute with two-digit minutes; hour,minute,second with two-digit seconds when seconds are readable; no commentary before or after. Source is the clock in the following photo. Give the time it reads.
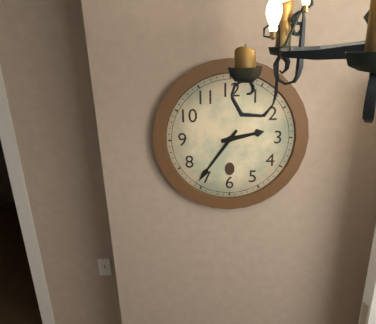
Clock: 2,36
